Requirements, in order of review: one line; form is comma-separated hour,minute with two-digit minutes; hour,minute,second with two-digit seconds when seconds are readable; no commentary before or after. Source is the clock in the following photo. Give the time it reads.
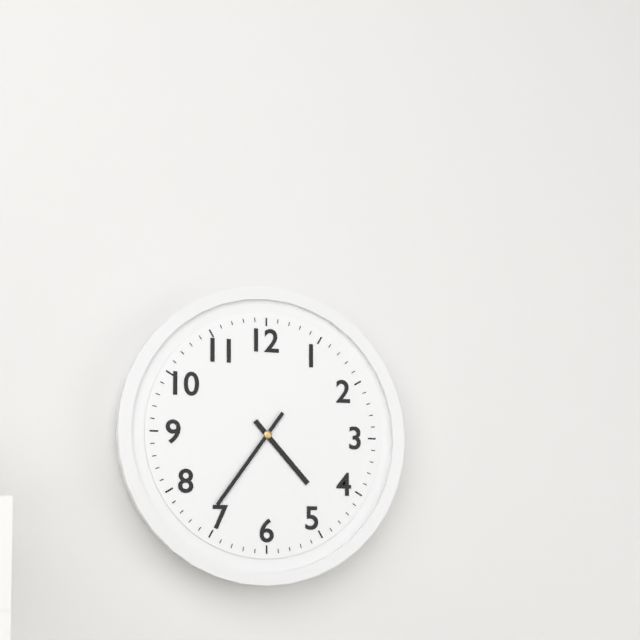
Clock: 4,36
